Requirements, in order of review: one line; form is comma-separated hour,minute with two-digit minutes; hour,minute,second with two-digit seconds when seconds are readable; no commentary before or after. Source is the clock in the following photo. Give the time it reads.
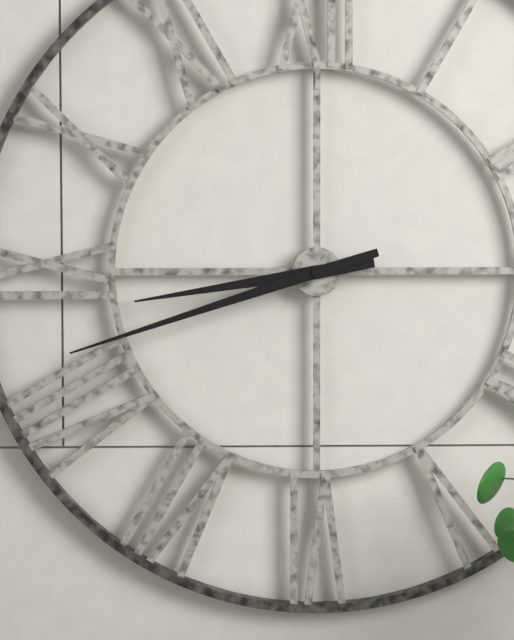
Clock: 8,42
